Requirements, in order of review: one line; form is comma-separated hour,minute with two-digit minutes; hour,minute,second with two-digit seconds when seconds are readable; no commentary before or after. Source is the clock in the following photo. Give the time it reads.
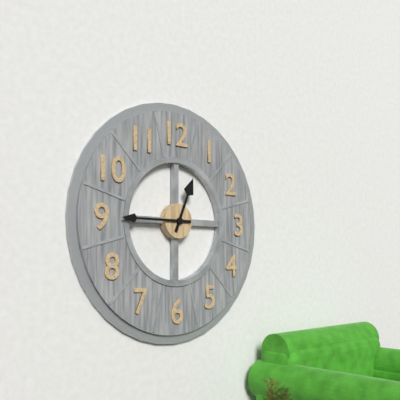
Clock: 12,45
